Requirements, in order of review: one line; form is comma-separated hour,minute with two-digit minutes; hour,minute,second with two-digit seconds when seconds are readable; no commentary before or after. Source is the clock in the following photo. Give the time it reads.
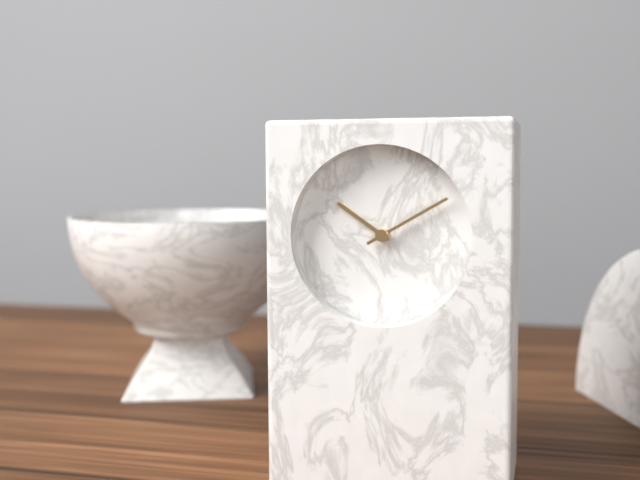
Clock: 10,10
